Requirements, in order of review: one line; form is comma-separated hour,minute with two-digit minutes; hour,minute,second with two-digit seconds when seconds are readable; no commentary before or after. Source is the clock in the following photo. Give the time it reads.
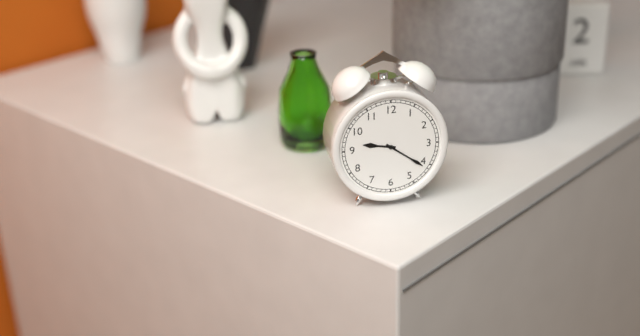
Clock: 9,21
